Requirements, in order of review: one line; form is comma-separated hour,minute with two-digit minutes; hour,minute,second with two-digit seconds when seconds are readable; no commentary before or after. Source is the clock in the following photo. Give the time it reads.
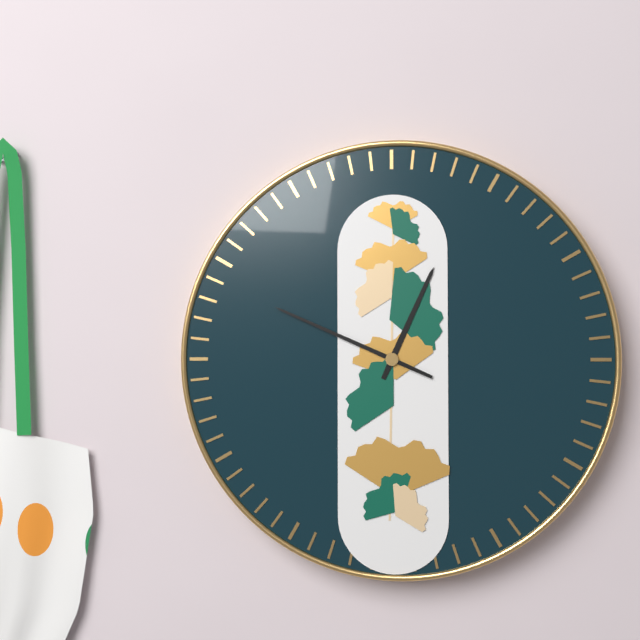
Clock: 12,49
